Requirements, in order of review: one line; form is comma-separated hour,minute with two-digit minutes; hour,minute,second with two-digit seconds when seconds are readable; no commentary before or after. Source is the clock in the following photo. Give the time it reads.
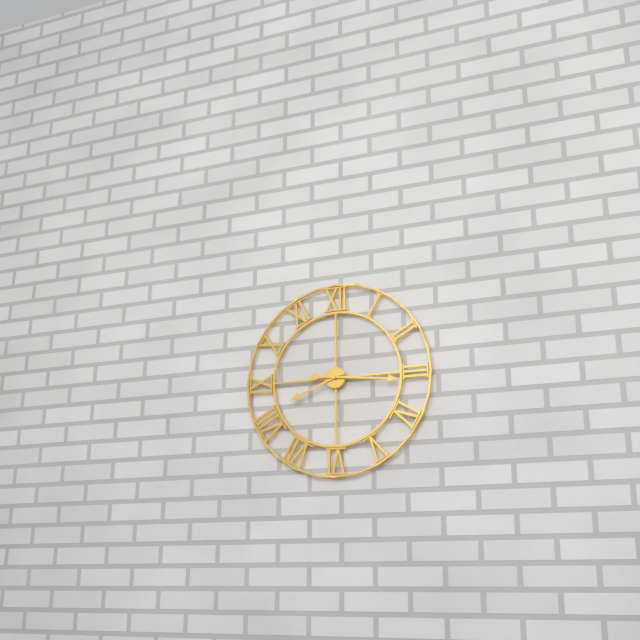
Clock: 8,16
